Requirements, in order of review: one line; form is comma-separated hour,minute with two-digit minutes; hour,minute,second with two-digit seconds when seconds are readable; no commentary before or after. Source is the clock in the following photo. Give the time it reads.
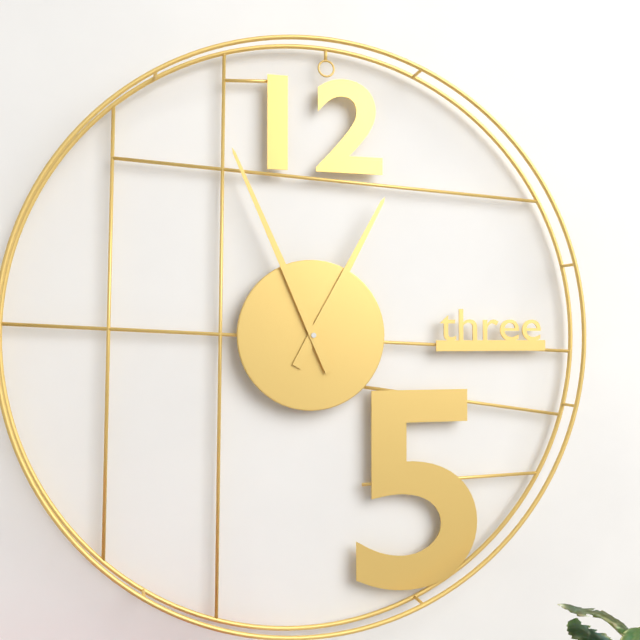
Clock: 12,56
